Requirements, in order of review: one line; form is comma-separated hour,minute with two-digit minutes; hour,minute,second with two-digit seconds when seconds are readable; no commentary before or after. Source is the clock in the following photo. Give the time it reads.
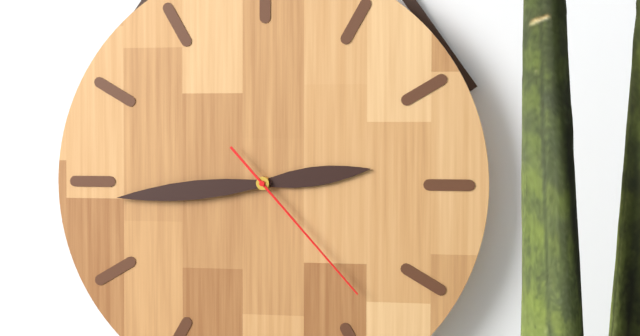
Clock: 2,44,23
